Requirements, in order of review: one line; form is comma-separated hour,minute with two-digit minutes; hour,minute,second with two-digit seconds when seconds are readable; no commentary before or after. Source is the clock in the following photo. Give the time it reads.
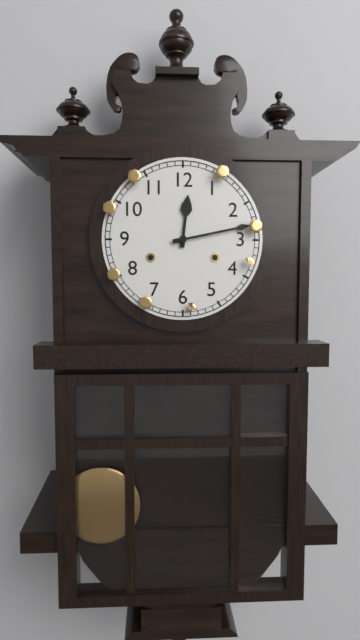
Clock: 12,13
